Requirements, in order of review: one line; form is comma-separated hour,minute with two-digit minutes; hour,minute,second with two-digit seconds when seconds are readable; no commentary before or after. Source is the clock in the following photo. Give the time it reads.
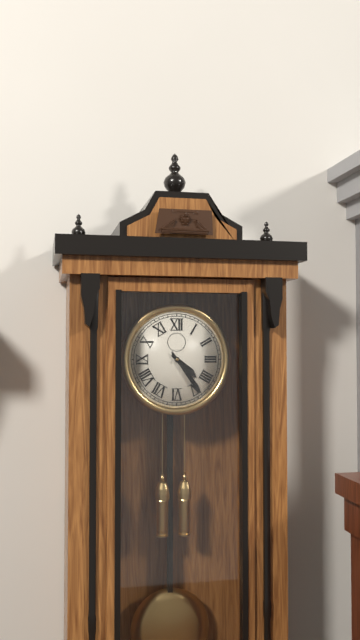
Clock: 4,24
